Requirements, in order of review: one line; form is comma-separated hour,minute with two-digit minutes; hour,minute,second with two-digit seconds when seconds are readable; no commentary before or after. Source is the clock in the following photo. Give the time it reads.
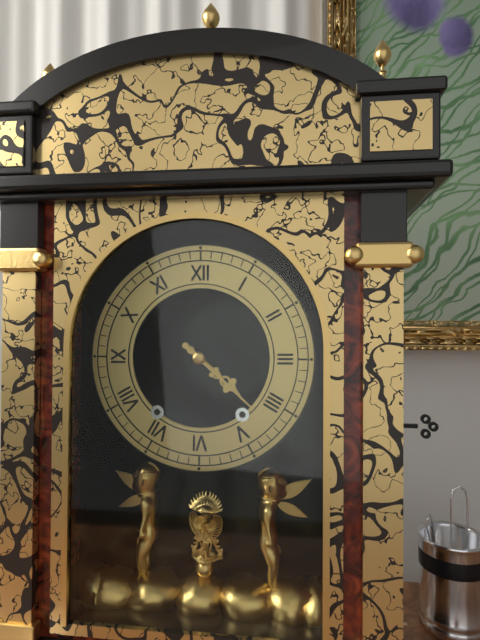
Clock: 4,22
